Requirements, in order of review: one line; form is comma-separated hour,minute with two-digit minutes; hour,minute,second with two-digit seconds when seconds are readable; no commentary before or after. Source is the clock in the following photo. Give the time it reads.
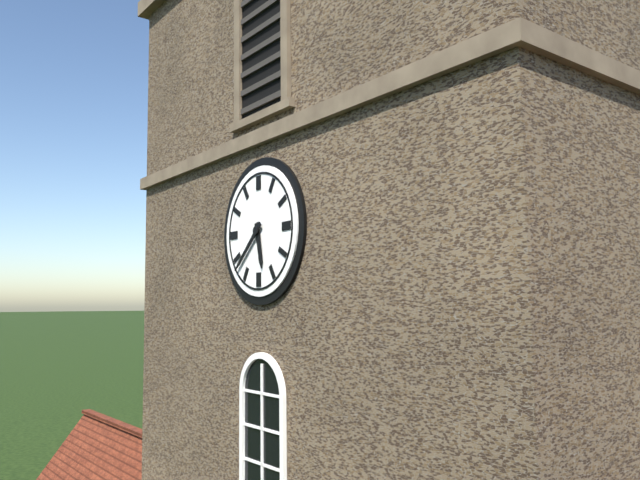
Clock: 5,38
